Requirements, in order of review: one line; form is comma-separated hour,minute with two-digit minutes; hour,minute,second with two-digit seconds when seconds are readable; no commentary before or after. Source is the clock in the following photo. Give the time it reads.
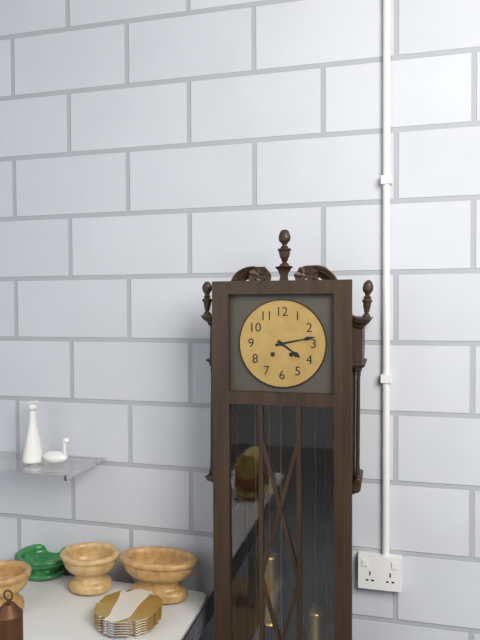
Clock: 4,13
